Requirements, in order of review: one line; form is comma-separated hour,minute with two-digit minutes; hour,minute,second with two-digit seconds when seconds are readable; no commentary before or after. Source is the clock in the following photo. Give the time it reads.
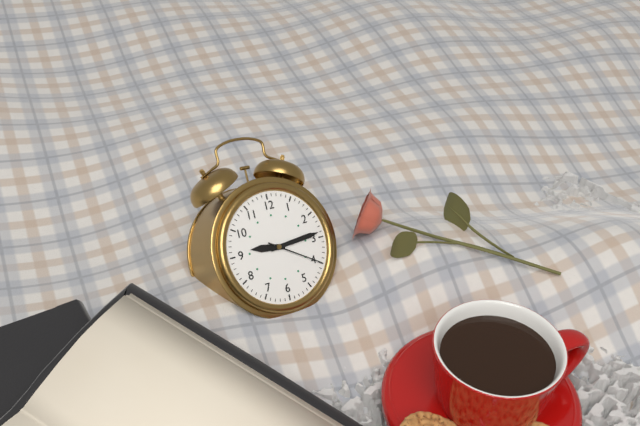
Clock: 9,14,20
